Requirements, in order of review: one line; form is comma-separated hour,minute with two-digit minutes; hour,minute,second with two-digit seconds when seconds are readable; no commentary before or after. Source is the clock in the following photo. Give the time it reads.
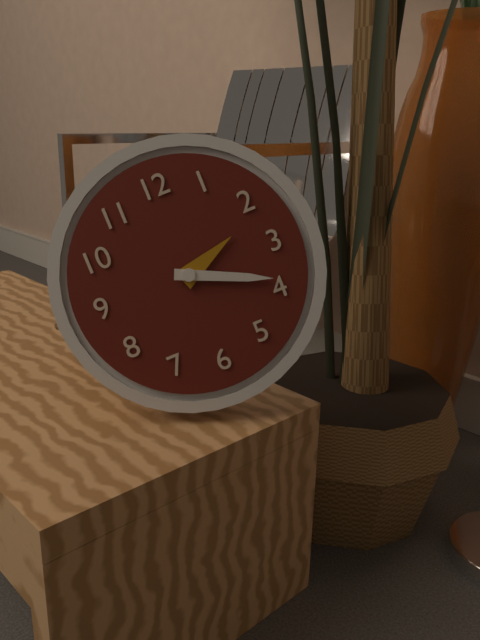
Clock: 2,19
